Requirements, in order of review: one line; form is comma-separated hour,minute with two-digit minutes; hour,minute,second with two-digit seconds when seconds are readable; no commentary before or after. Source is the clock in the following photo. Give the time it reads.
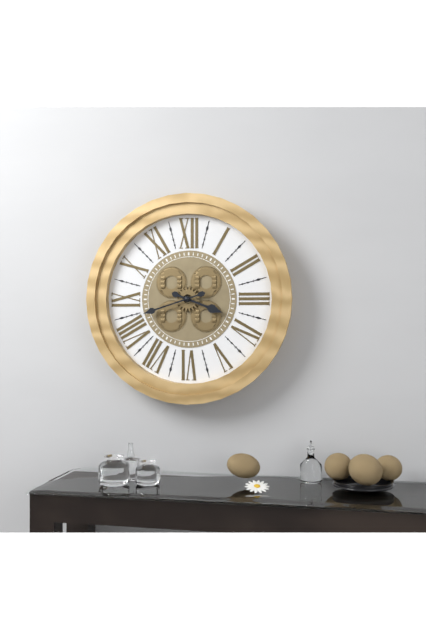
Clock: 3,42
